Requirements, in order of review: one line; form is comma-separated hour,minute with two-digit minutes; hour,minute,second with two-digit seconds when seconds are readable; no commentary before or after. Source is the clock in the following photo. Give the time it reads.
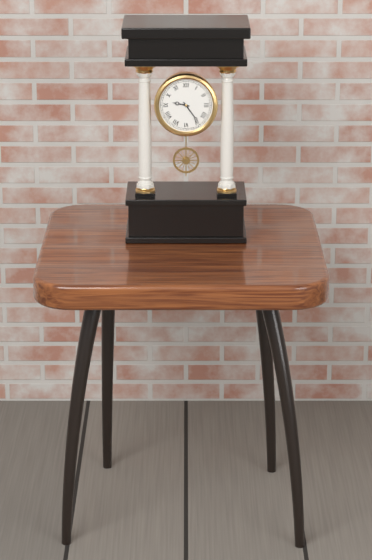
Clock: 9,24
